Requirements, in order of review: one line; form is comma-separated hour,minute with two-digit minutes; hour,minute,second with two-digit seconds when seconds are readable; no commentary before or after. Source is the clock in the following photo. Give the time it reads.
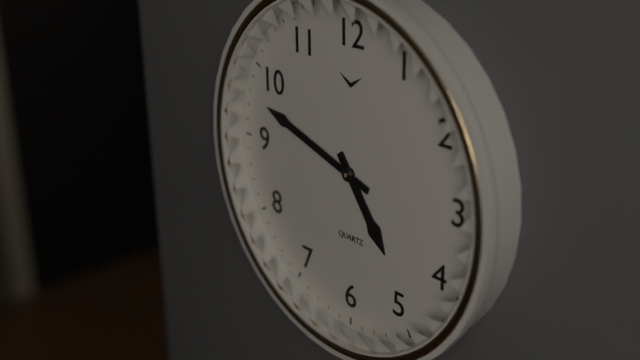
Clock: 4,48
